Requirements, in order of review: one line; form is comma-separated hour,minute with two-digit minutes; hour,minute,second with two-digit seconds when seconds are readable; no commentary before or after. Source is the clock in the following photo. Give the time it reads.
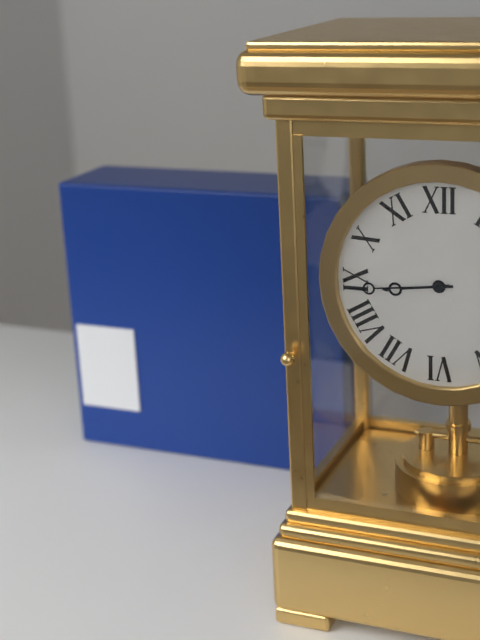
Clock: 8,44
